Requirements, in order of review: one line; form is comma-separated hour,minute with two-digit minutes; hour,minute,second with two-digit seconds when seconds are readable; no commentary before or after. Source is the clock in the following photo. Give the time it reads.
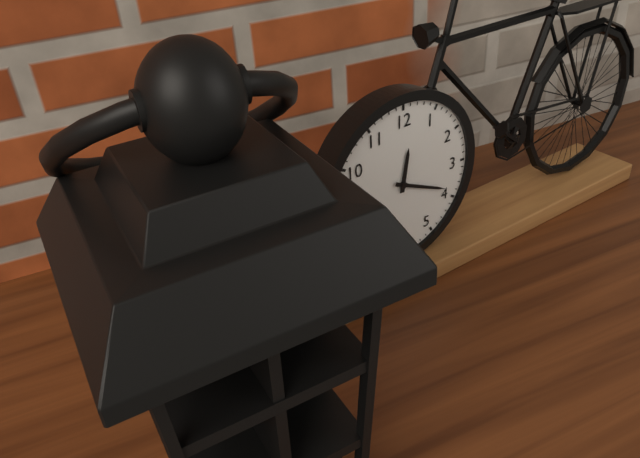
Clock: 12,19
